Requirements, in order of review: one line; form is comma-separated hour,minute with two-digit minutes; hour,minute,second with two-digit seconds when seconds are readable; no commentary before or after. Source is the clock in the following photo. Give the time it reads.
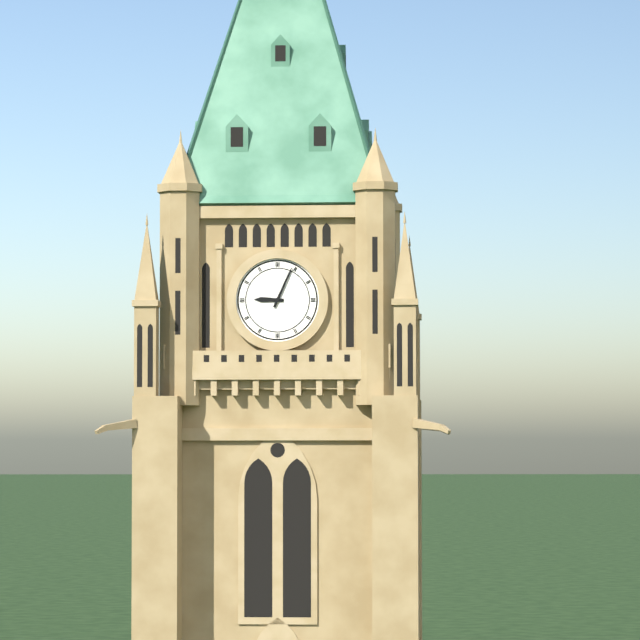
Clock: 9,04
